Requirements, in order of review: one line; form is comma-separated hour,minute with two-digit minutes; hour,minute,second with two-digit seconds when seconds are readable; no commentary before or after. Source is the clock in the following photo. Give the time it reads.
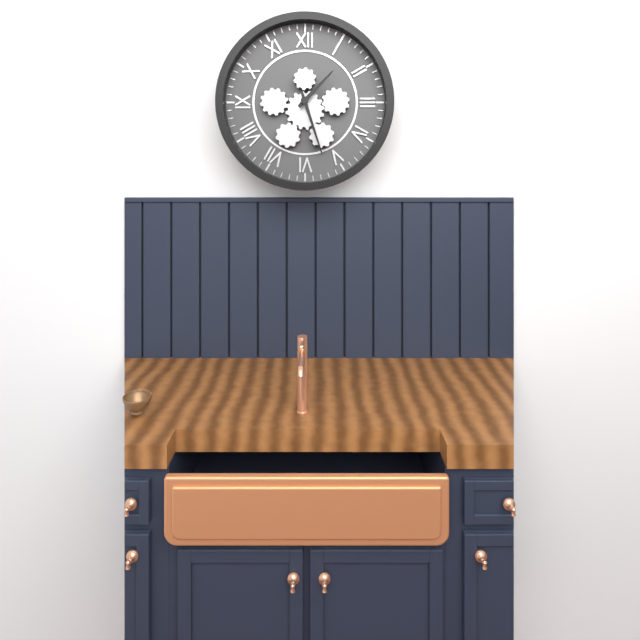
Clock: 1,27
